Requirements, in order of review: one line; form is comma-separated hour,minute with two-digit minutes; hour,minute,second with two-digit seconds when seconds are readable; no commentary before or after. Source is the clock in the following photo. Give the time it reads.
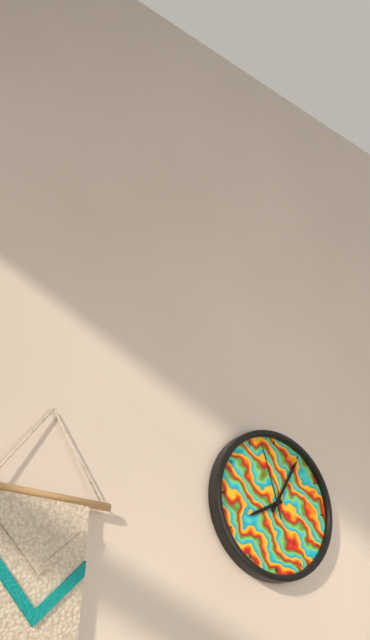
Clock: 8,05,57
